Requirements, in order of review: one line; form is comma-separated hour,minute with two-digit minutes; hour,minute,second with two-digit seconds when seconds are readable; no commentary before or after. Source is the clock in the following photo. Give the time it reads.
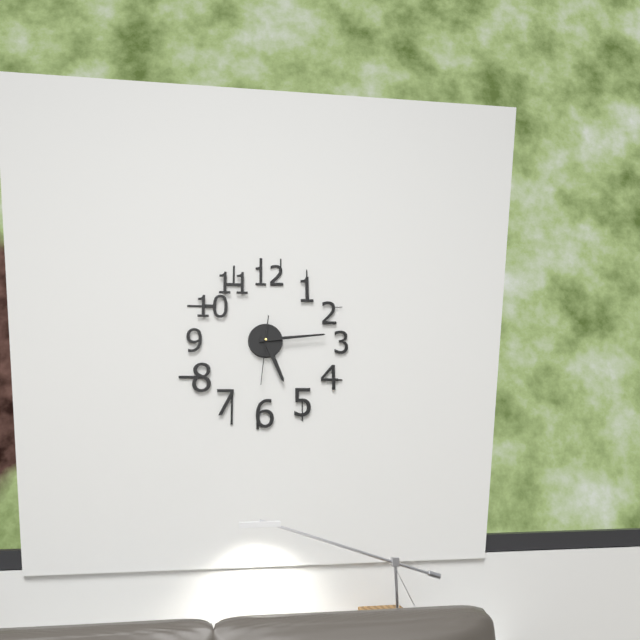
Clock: 5,14,31
